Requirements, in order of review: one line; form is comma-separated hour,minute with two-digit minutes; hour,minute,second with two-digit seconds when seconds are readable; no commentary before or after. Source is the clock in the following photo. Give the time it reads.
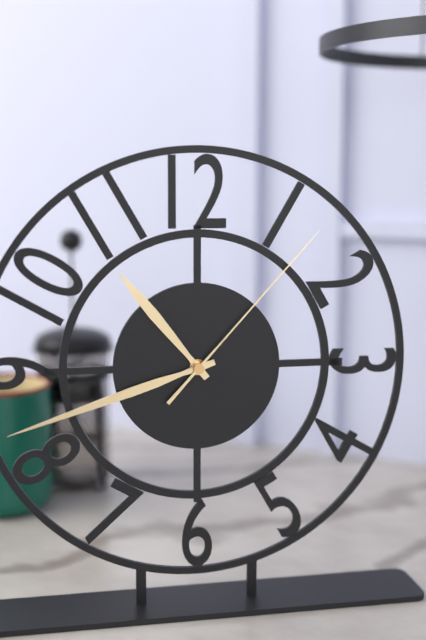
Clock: 10,42,07
